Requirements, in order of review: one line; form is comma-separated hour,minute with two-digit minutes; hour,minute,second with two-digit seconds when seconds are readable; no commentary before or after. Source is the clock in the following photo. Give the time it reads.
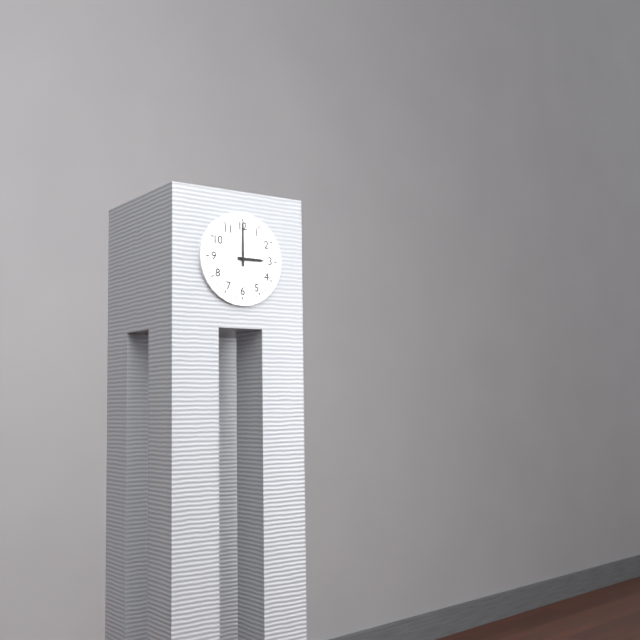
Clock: 3,00
